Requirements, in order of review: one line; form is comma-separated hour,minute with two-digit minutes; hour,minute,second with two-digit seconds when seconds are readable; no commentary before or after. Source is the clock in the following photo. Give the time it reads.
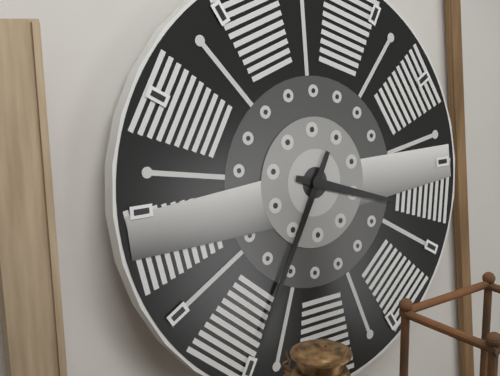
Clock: 3,35
